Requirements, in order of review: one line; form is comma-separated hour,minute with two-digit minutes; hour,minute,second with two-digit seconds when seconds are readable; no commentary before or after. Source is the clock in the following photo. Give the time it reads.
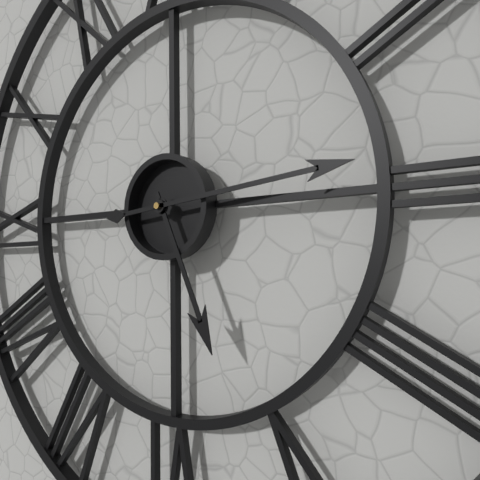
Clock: 5,14
